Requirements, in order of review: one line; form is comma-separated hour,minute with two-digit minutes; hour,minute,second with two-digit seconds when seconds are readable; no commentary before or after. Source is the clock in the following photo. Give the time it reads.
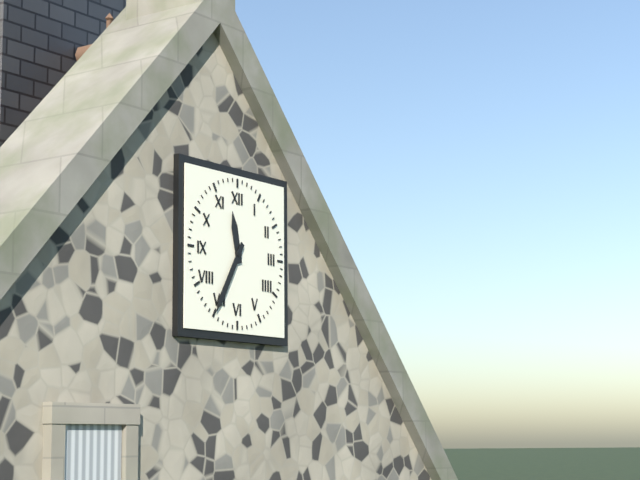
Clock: 11,35
